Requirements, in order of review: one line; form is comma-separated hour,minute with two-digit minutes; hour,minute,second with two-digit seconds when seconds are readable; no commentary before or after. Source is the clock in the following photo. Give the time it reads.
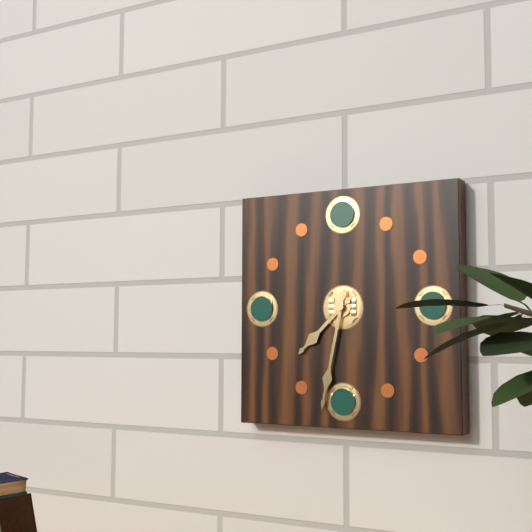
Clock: 7,32
